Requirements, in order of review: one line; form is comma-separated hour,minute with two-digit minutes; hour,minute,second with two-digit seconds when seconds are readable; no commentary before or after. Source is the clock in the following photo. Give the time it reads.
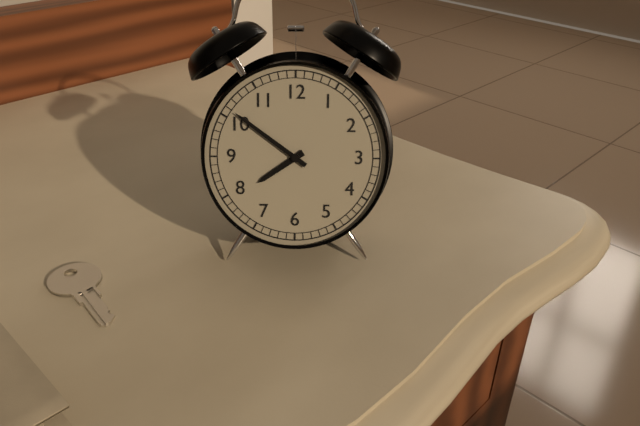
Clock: 7,51
